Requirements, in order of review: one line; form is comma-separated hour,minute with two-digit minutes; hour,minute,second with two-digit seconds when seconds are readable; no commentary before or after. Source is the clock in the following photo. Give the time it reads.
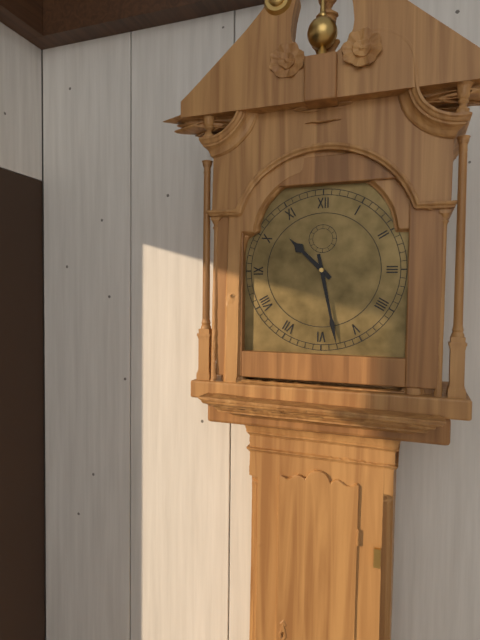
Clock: 10,28
